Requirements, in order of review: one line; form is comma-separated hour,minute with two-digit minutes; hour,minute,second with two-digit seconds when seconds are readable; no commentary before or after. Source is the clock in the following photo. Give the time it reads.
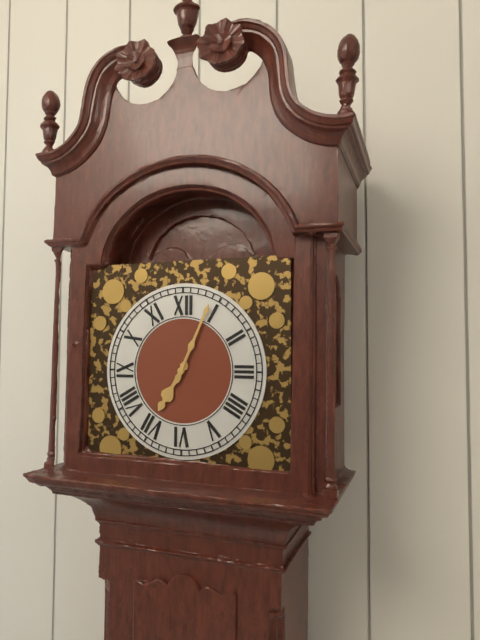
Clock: 7,04
